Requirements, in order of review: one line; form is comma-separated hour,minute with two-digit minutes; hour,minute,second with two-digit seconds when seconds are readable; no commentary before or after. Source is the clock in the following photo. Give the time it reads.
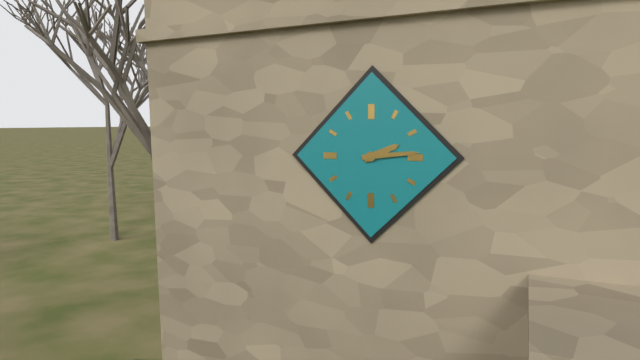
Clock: 2,14
